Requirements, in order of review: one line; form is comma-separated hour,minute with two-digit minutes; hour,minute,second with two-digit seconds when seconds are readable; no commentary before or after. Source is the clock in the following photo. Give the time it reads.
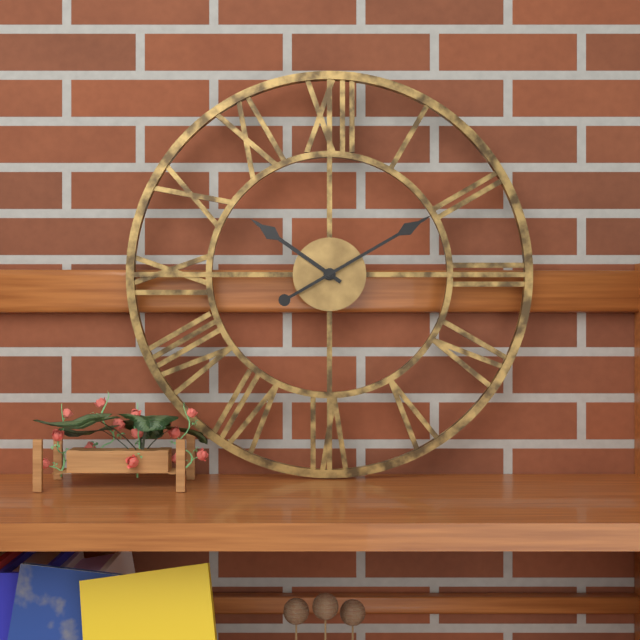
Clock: 10,10
